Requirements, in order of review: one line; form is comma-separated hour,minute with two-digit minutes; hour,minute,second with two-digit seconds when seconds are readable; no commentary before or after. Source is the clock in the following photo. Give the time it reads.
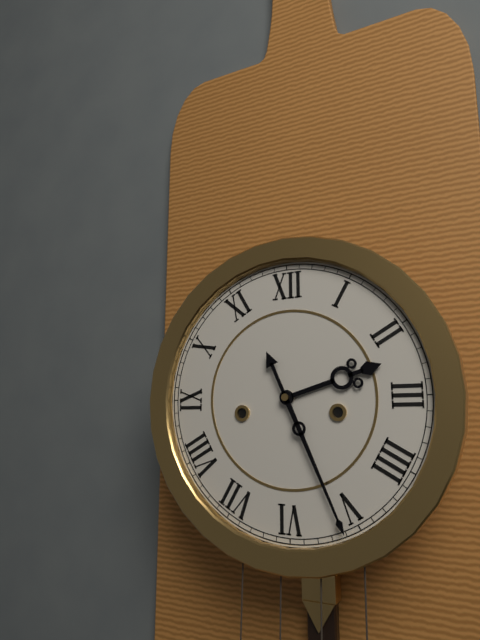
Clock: 2,26
